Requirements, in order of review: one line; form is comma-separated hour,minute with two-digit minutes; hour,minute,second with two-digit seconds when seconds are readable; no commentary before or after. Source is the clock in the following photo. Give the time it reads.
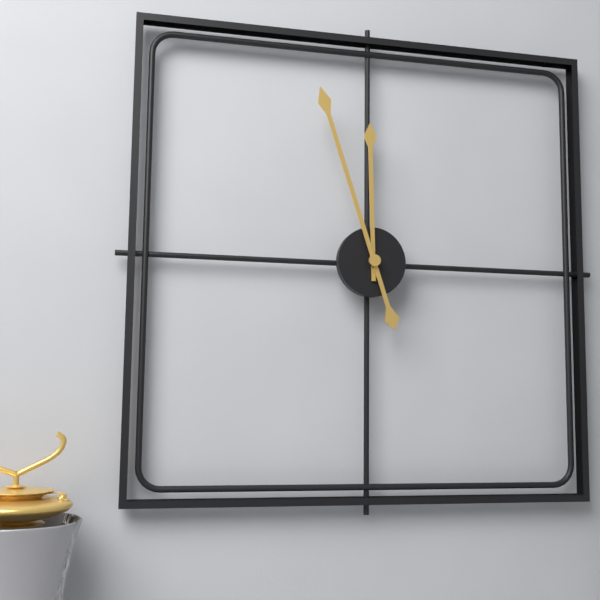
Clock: 11,57
